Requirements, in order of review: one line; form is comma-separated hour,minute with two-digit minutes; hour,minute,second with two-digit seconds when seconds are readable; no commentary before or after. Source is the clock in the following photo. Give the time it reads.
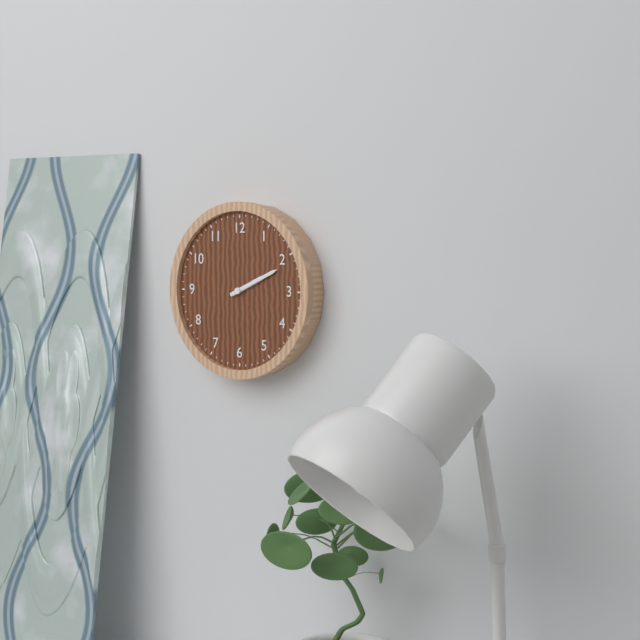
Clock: 2,11
